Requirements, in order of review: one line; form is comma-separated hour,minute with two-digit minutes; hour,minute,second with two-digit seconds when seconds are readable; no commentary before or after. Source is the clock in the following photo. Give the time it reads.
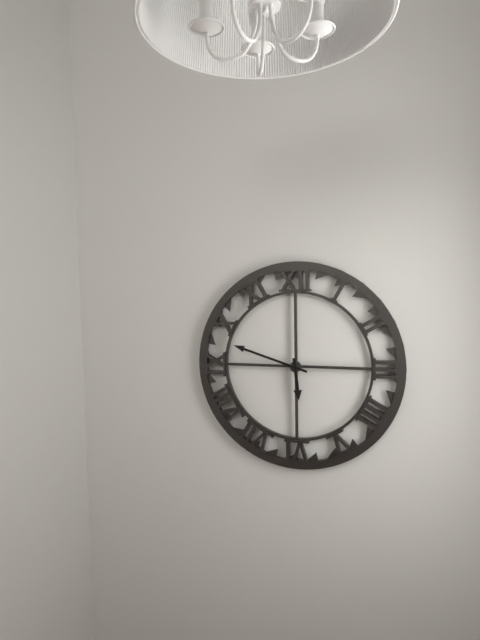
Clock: 5,48
